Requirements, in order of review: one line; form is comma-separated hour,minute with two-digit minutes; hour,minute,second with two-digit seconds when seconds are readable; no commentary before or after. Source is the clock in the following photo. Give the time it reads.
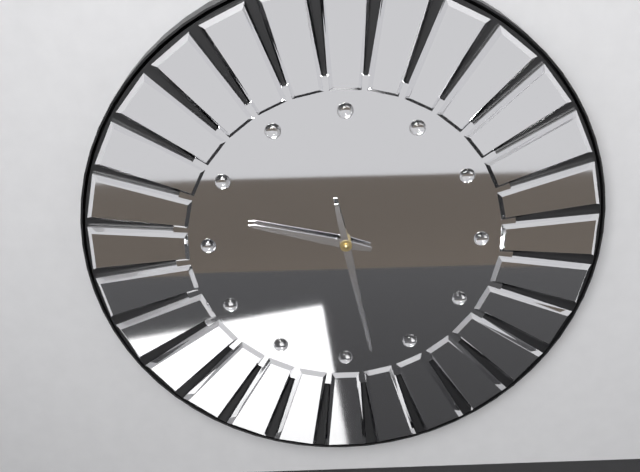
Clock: 9,28
